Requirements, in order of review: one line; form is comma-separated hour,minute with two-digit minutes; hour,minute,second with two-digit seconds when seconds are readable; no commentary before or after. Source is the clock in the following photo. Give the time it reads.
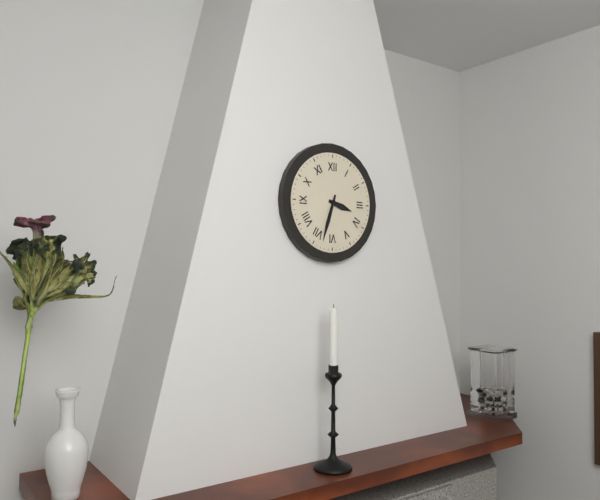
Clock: 3,33
